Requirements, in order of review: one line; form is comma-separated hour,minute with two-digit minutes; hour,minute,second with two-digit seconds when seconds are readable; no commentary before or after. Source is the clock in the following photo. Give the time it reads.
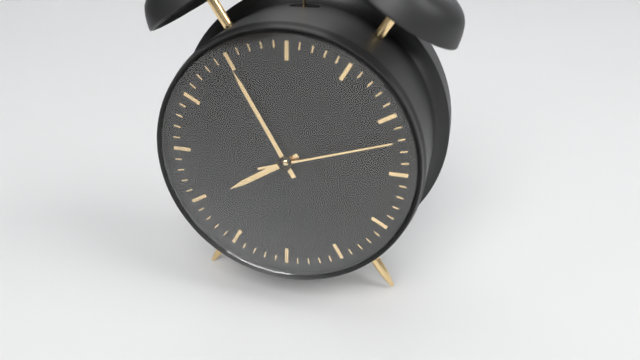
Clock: 7,55,12
